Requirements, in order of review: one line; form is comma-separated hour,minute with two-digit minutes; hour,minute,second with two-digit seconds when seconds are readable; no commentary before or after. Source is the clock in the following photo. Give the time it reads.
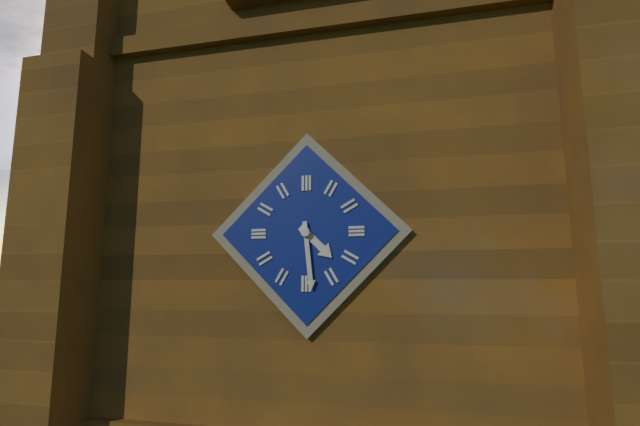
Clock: 4,29
